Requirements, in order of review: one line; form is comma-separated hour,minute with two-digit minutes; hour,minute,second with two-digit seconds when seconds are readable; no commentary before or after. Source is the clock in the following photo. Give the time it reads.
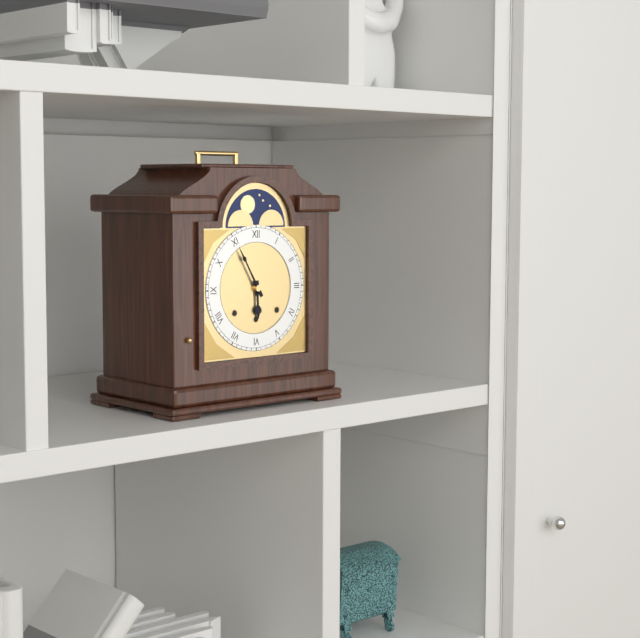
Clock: 5,55
